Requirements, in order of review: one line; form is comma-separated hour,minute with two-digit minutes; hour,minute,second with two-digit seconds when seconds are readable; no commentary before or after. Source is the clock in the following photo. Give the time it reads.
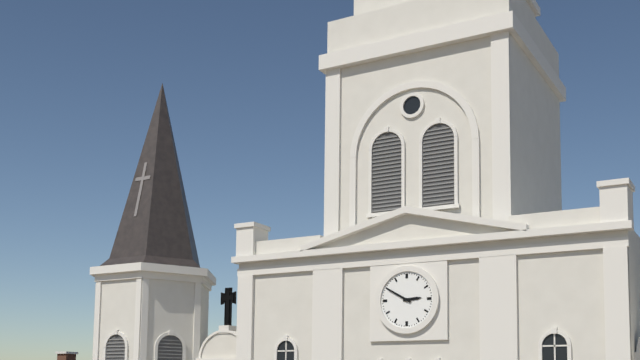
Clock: 2,50
